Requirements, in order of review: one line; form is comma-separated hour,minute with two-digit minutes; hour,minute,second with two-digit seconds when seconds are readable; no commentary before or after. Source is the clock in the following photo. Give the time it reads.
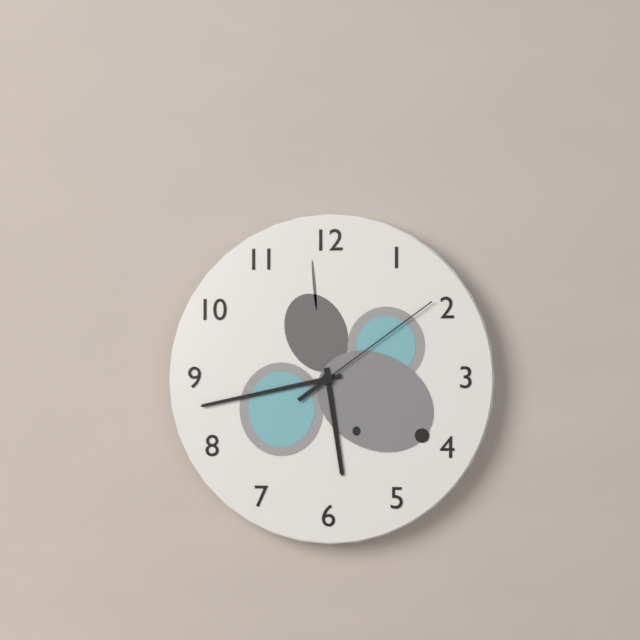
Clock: 5,43,09
